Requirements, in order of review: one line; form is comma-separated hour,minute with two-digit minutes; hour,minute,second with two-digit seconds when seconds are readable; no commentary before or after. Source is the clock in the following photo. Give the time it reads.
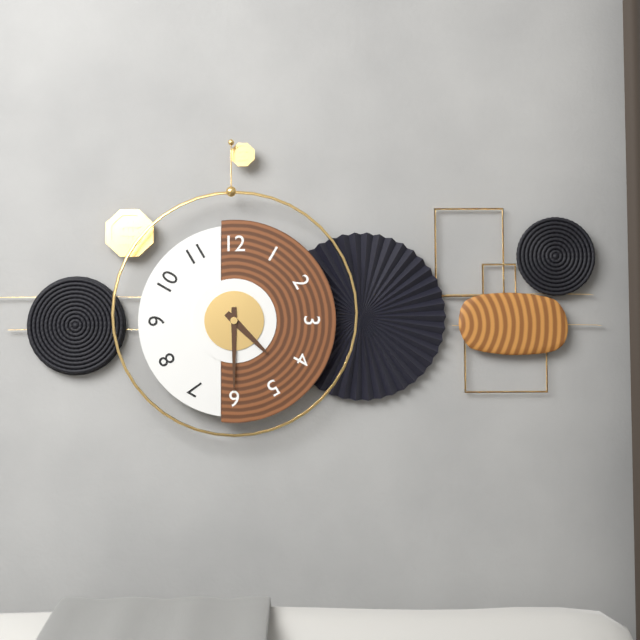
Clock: 4,30
